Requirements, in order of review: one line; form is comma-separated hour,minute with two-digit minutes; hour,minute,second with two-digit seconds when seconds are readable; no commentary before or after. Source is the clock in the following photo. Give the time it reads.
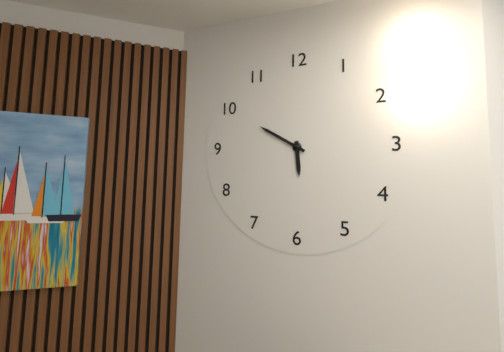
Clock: 5,50
